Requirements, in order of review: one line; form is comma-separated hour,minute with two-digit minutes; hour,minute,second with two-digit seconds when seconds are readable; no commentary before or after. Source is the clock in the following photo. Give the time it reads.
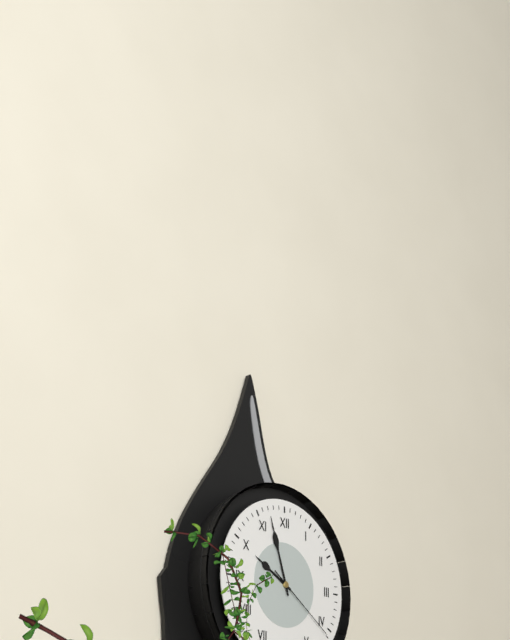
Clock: 9,57,21
